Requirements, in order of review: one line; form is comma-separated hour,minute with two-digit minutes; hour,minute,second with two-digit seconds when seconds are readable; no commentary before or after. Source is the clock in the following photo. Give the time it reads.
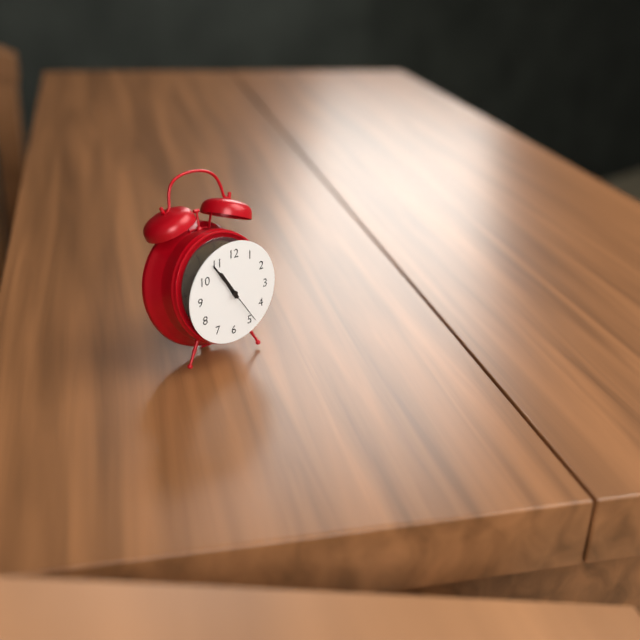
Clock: 10,54
